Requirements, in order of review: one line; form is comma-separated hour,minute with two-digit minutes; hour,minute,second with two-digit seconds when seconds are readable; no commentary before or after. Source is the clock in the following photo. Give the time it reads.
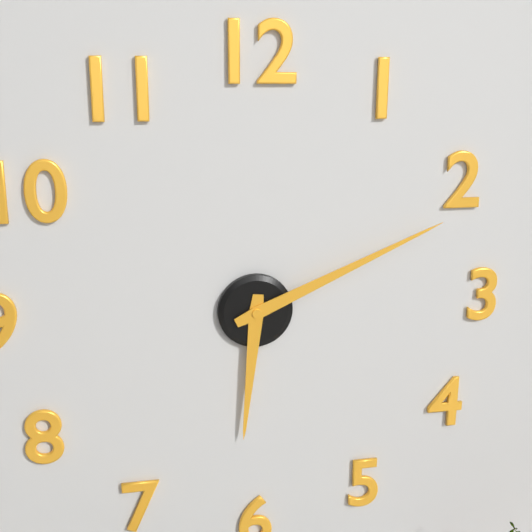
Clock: 6,11
